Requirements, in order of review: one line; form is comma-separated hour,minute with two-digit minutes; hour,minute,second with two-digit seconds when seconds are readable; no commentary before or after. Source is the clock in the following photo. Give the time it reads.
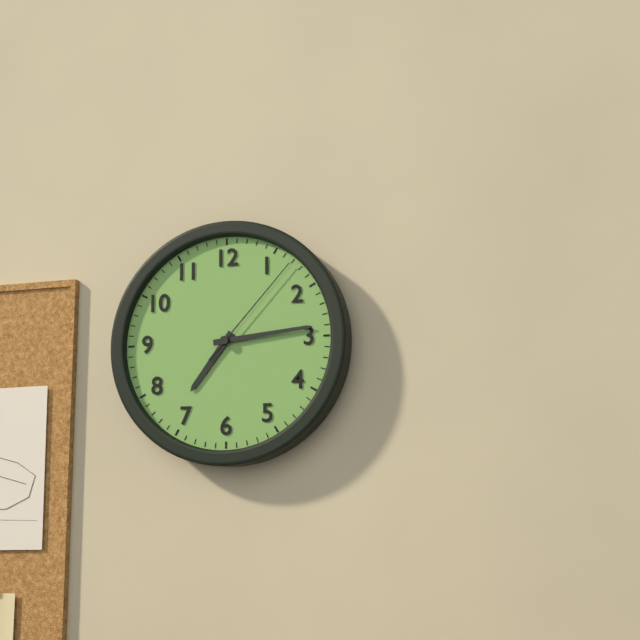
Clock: 7,14,07
